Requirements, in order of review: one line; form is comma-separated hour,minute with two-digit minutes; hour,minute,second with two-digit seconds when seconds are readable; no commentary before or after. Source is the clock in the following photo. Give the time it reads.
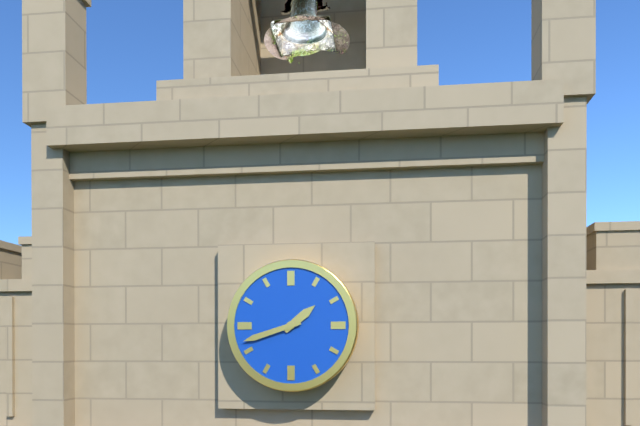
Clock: 1,42
